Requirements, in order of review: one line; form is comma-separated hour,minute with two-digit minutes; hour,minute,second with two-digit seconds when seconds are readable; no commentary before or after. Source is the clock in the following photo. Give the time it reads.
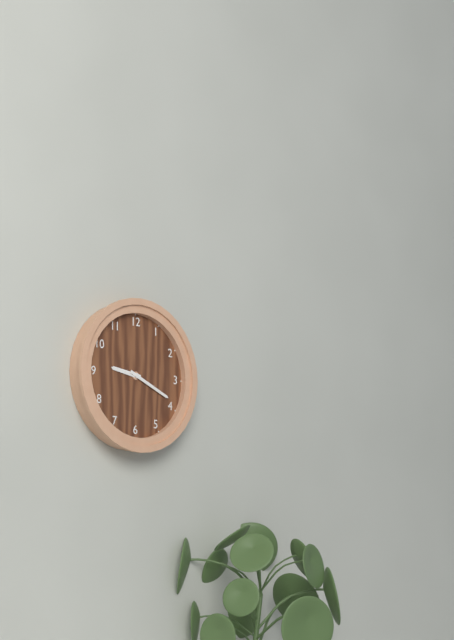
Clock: 9,19
